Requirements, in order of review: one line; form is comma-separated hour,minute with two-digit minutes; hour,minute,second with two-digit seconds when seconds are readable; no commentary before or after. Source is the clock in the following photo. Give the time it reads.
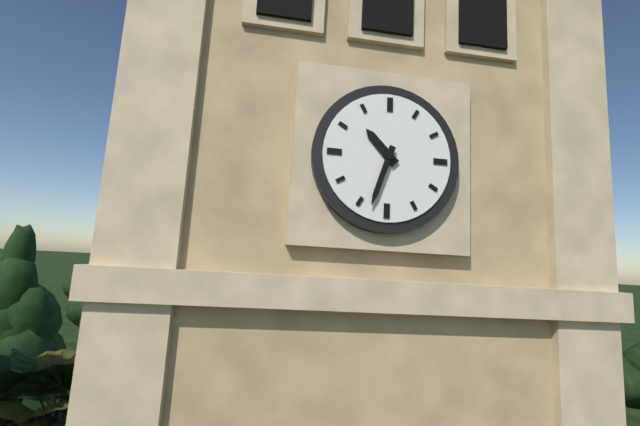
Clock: 10,33
